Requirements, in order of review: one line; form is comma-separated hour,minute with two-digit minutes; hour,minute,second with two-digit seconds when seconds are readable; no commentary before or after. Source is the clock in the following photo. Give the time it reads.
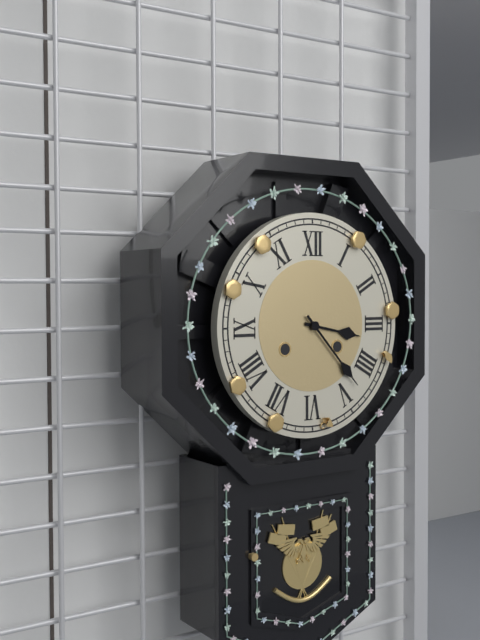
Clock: 3,23
